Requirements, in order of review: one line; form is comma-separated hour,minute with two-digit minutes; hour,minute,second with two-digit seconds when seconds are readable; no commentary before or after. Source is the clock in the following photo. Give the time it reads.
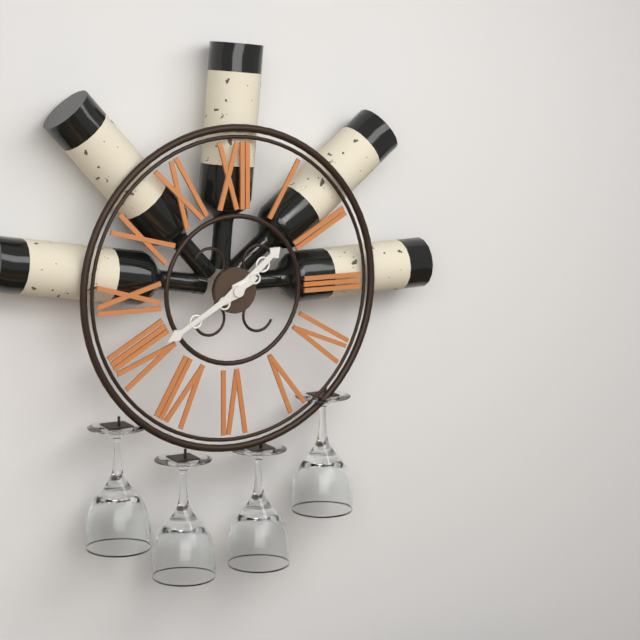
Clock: 1,40
